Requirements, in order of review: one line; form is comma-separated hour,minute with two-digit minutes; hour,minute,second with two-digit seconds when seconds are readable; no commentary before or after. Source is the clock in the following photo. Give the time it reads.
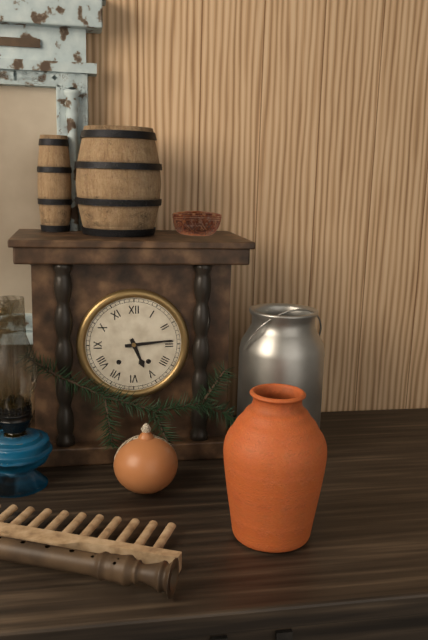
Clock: 5,14
